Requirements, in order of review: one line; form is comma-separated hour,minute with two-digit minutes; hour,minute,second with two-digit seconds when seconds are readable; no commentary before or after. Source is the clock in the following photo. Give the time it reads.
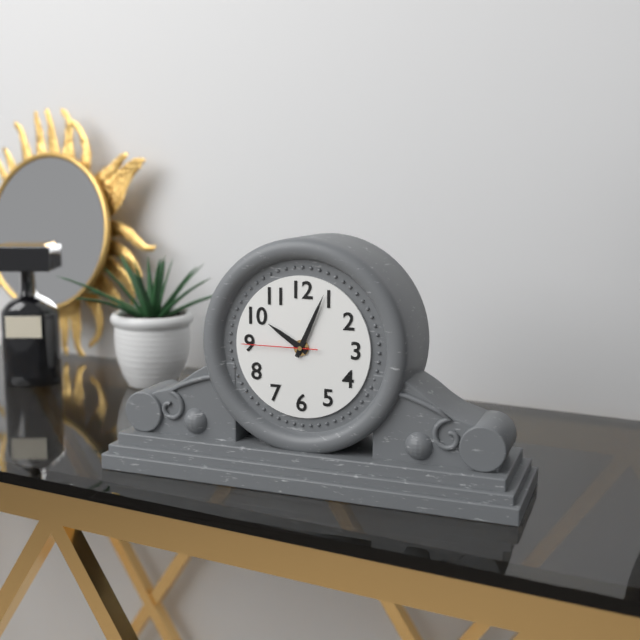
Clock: 10,04,45
